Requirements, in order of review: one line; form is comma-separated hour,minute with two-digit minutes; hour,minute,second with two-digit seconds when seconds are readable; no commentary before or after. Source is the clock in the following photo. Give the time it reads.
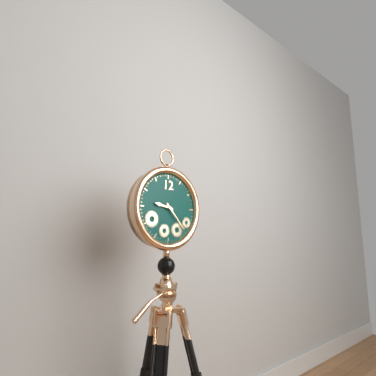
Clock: 9,23
